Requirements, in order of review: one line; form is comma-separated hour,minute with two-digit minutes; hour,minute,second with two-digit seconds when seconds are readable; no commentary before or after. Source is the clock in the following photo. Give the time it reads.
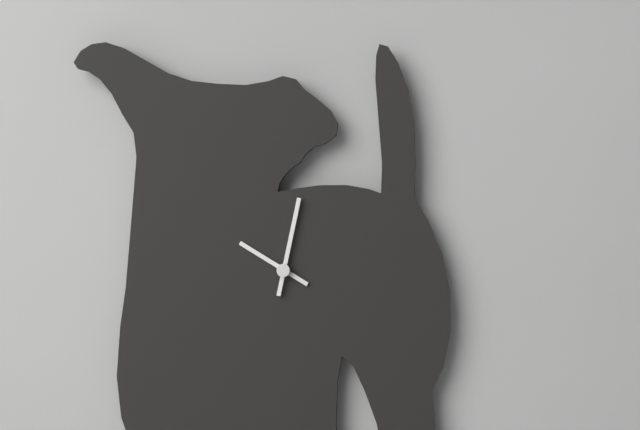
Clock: 10,02
